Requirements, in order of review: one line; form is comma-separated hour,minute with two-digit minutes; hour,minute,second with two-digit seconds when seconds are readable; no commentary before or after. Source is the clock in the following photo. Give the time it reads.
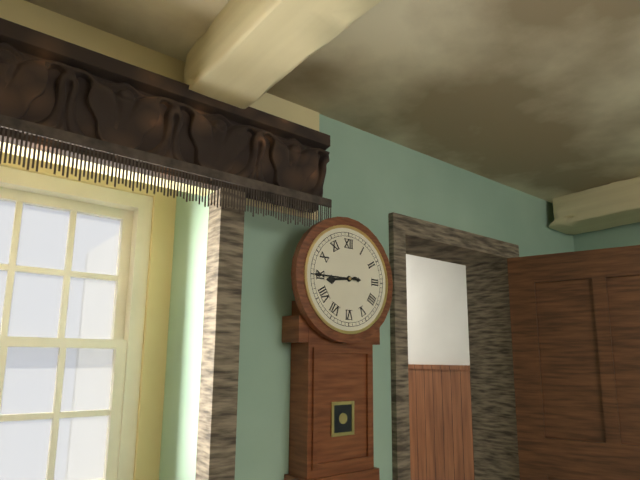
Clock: 8,45
